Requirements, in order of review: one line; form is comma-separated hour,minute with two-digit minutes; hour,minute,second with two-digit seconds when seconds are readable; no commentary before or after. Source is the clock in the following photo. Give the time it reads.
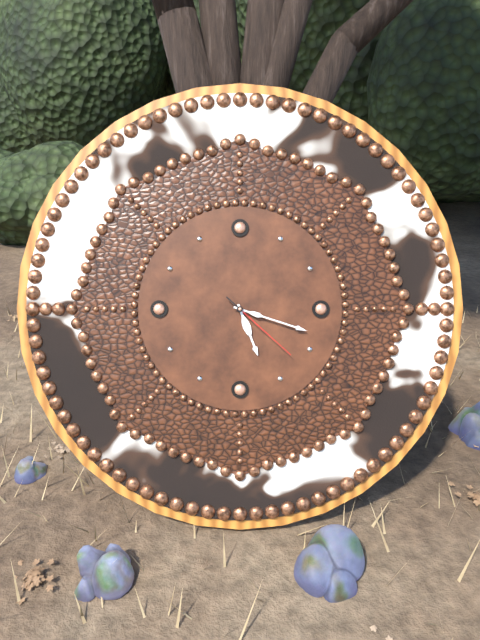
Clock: 5,18,22
